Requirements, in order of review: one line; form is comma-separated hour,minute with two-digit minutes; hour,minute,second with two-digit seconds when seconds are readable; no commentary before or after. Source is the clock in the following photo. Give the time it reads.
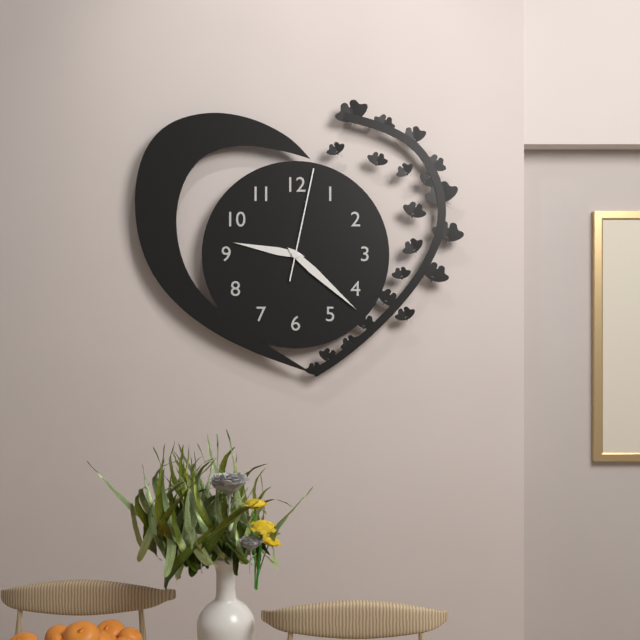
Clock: 9,22,02
